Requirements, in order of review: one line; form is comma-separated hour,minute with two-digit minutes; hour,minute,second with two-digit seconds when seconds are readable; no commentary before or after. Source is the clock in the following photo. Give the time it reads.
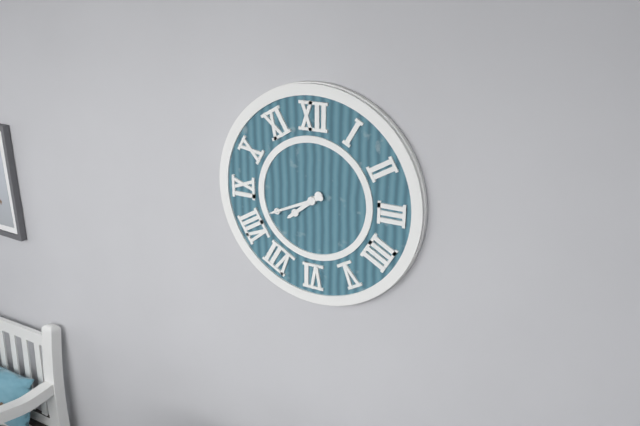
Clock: 7,41
